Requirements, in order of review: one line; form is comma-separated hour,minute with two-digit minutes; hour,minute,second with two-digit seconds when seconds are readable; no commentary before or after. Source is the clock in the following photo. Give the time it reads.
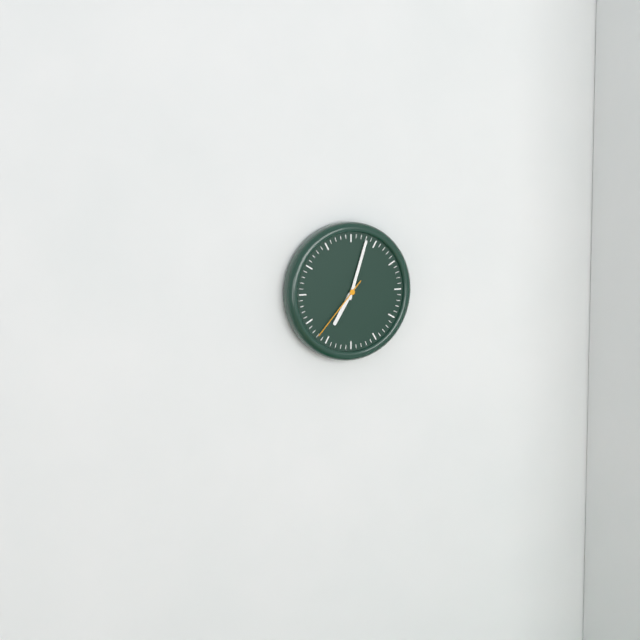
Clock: 7,03,37
